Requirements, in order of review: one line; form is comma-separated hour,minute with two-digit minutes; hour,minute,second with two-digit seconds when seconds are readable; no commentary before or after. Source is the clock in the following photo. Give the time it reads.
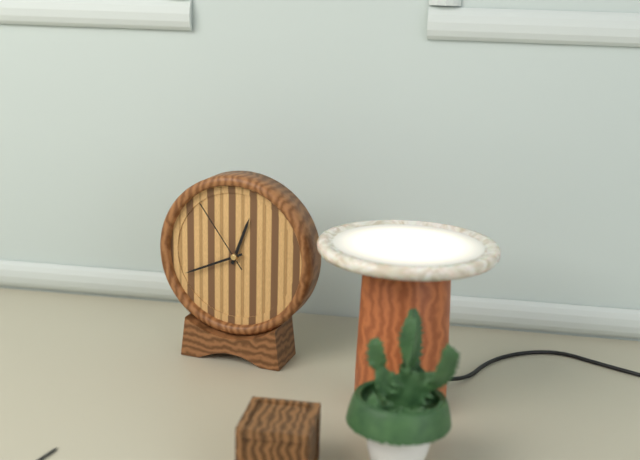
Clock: 12,41,54
